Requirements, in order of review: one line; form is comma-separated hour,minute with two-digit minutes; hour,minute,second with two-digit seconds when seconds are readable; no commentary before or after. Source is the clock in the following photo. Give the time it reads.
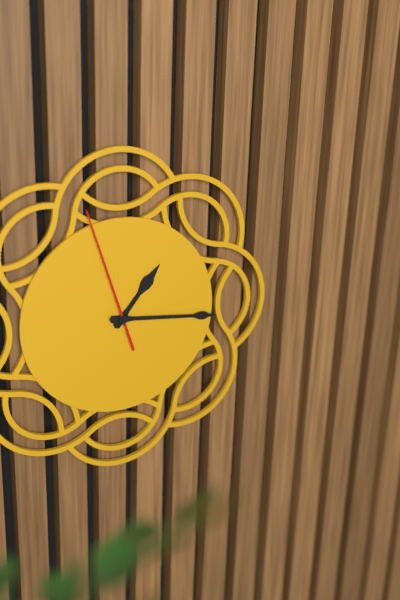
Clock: 1,16,57
